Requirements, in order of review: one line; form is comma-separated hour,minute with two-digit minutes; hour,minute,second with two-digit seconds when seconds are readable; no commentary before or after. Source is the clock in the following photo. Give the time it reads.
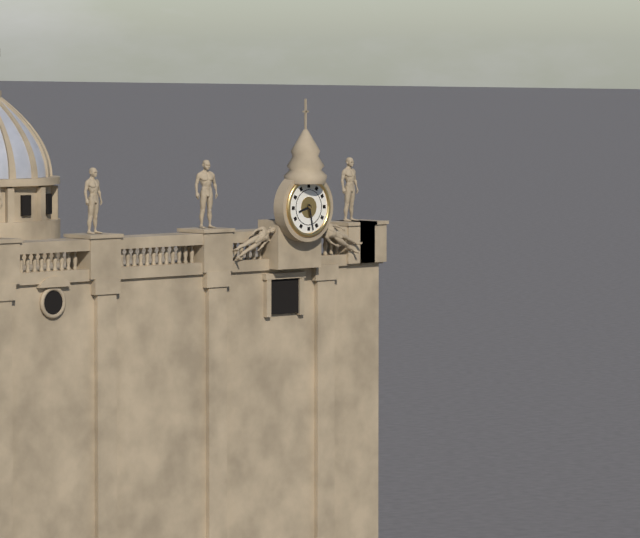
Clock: 8,28
